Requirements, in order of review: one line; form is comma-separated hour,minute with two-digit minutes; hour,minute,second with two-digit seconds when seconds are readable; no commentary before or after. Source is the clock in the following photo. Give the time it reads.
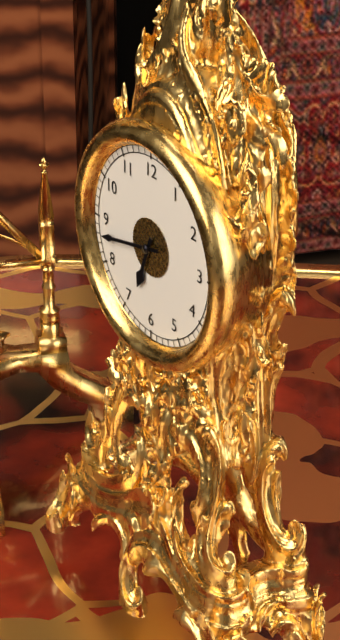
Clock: 6,43
